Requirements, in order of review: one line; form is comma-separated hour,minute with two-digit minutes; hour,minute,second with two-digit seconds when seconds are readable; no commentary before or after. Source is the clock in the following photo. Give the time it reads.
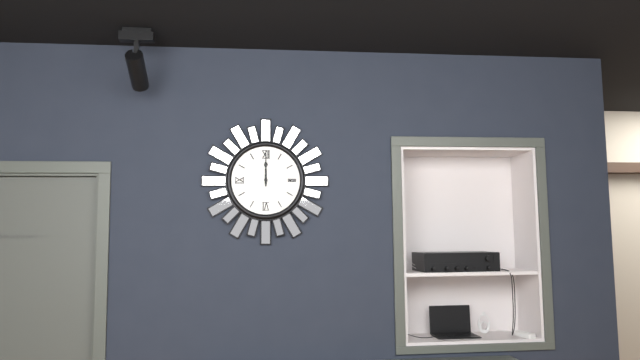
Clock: 12,00
